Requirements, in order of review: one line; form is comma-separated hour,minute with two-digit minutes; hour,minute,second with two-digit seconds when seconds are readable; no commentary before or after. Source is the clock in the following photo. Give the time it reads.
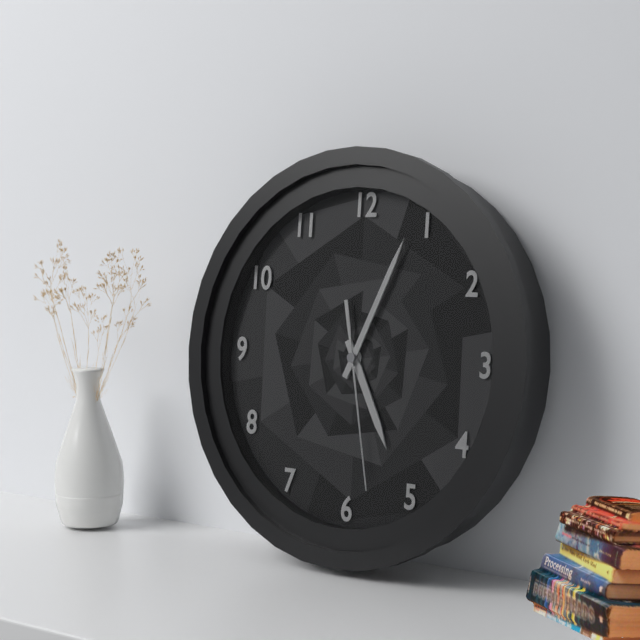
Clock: 5,04,28
